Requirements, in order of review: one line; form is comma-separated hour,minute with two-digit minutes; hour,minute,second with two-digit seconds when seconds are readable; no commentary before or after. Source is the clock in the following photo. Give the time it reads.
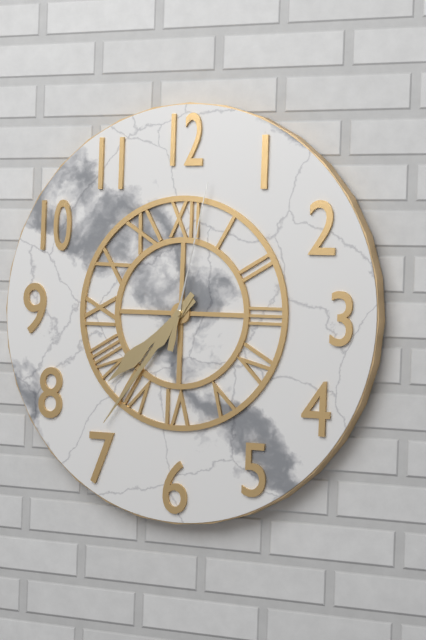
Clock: 7,36,02
